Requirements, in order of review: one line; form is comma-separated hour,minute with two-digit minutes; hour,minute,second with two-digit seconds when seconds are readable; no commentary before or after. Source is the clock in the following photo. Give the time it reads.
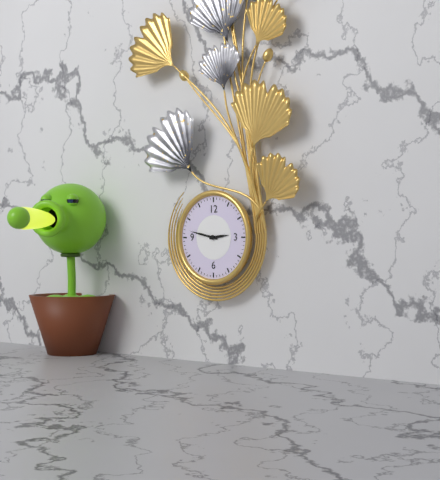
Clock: 2,47
